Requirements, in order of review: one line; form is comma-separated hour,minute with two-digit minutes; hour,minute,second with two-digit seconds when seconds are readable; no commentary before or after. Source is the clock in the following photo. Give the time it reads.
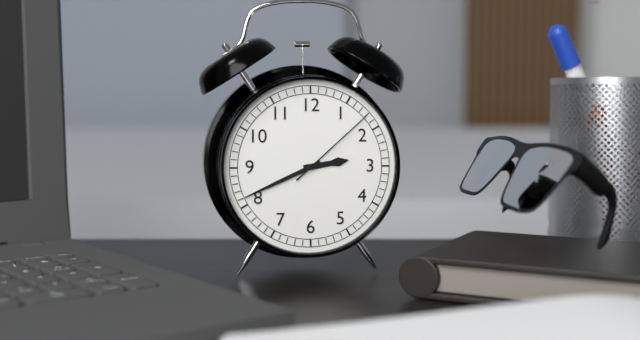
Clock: 2,41,08
